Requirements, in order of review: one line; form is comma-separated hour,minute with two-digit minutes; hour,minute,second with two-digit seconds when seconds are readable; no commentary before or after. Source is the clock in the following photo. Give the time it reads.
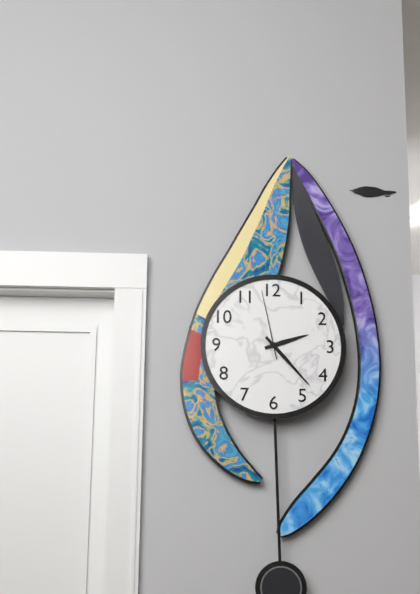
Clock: 2,23,58
